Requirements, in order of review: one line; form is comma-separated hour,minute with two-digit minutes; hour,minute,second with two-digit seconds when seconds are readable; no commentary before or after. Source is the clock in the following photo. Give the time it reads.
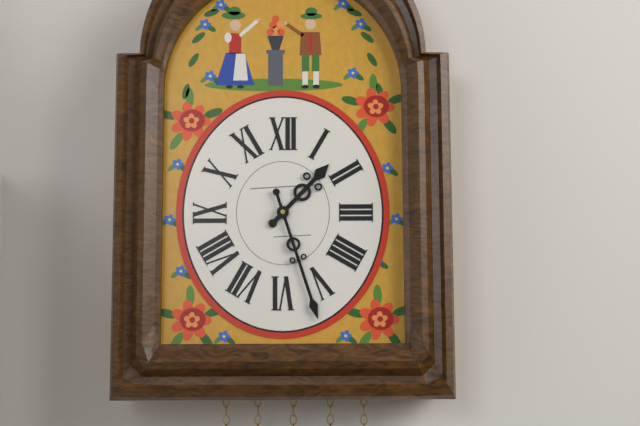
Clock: 1,27
